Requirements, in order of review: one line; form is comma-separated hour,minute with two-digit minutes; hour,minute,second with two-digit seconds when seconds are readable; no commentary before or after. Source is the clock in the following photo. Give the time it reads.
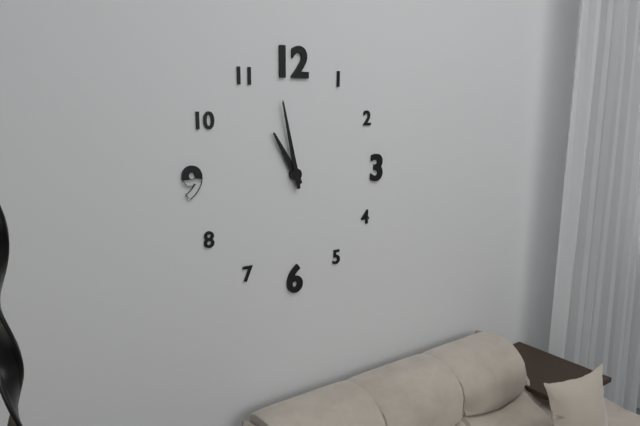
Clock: 10,58
